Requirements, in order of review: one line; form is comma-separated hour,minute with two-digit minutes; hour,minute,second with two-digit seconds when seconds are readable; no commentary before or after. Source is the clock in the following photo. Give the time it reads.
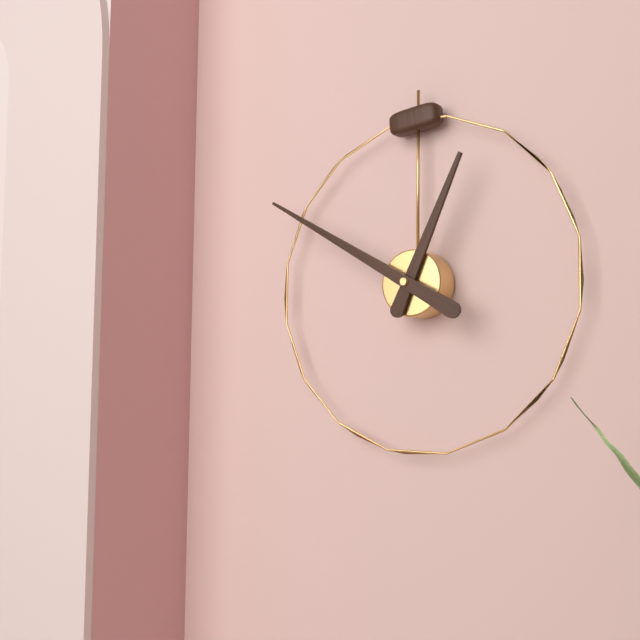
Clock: 12,50
